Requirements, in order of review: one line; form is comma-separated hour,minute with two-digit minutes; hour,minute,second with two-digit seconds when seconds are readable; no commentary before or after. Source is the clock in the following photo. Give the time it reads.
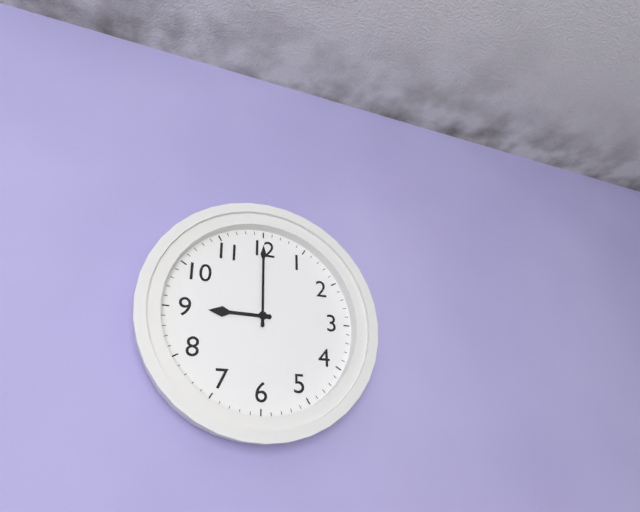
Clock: 9,00
